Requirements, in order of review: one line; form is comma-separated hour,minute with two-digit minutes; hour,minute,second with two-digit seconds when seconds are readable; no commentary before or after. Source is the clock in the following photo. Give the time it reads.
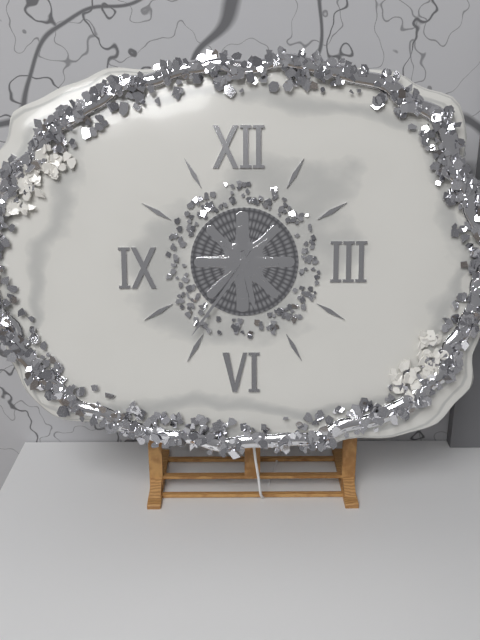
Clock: 5,36
